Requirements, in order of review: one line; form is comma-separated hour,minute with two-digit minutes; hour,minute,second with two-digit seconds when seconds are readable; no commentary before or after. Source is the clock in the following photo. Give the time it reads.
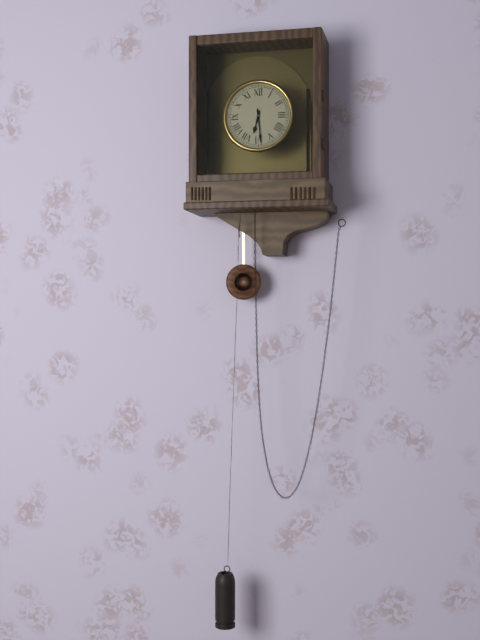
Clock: 6,29
